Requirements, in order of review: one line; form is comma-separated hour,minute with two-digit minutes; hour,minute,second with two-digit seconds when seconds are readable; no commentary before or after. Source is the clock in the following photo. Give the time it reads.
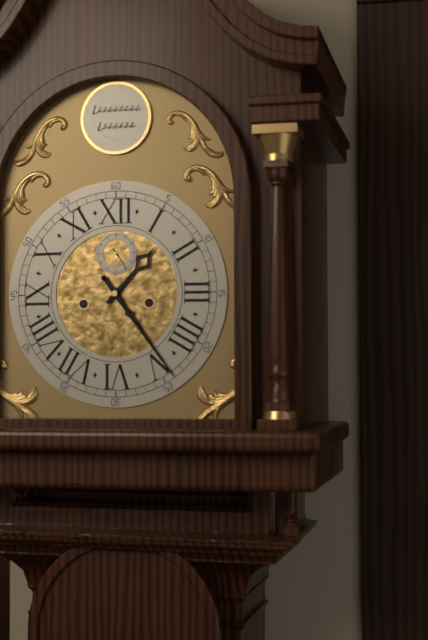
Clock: 1,24
